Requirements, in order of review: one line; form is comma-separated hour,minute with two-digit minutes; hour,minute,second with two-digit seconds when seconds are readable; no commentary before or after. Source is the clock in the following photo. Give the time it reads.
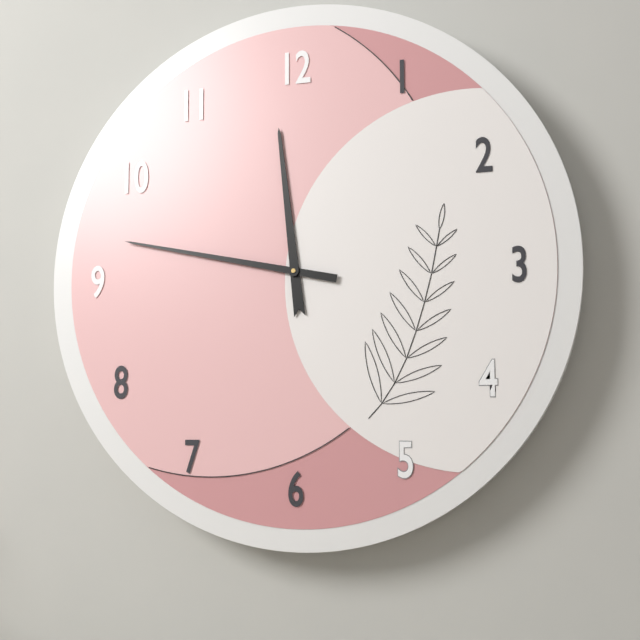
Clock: 11,47
